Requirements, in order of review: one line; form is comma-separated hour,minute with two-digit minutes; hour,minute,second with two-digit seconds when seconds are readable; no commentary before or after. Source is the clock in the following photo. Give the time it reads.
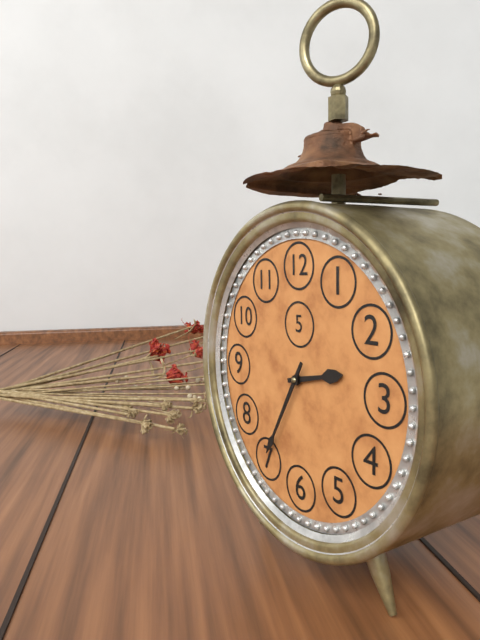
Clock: 2,35
